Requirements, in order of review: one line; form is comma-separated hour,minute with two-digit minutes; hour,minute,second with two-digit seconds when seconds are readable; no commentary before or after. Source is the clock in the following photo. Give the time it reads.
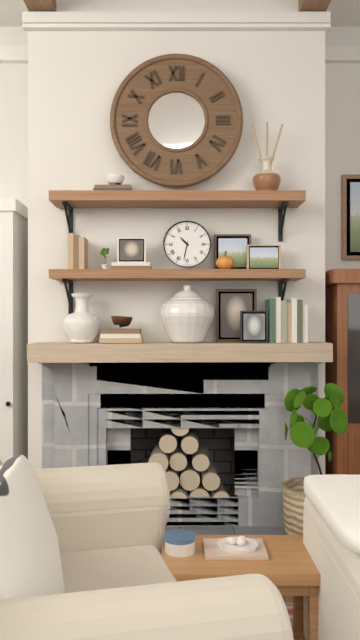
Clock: 10,32
